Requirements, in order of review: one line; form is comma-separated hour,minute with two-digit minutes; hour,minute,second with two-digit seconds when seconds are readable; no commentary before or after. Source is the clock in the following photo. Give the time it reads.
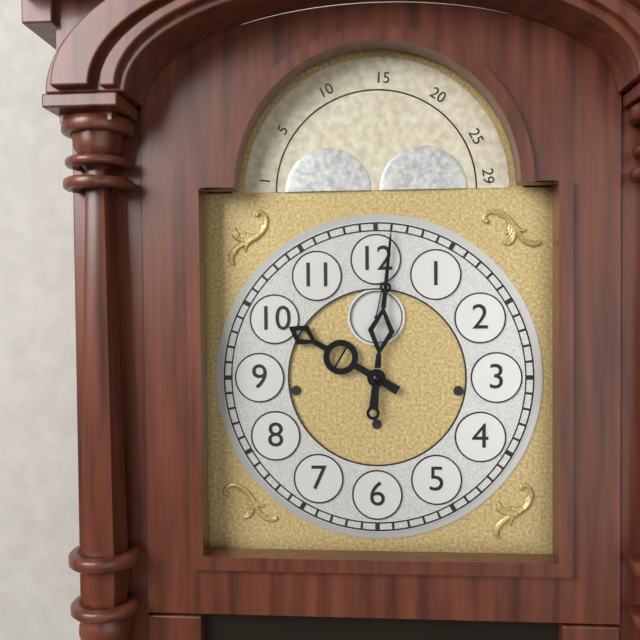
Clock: 10,01
